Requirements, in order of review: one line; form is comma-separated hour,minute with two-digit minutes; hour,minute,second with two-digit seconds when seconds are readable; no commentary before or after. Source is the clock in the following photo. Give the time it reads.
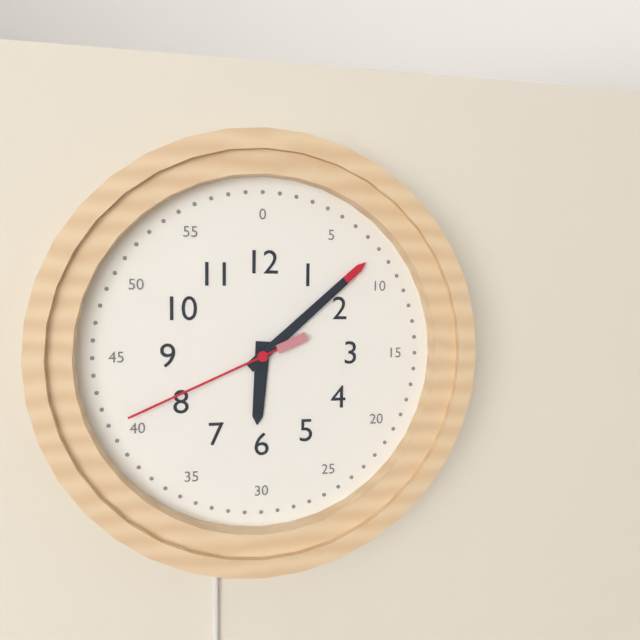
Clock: 6,08,41
